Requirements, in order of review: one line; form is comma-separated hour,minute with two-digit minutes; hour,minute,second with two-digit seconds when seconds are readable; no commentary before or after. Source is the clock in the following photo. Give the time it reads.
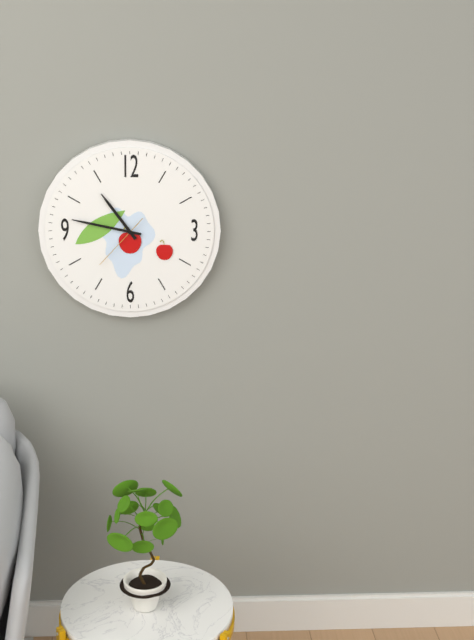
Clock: 10,47,37
